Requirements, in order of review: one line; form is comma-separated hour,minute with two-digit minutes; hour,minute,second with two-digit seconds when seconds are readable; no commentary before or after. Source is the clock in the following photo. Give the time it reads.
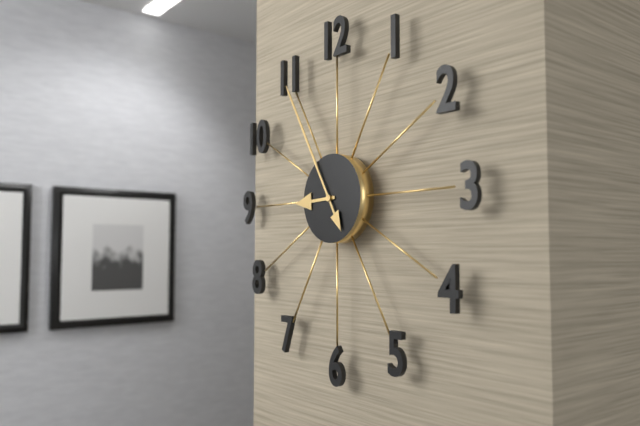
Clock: 8,55
